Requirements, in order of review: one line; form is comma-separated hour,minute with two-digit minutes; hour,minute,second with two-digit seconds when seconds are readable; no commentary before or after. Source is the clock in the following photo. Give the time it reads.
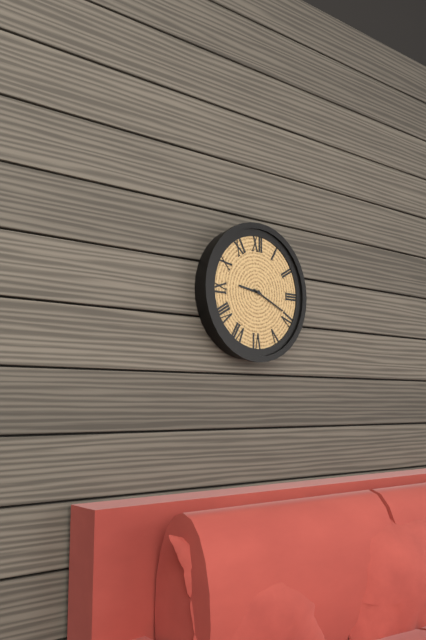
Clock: 9,19
